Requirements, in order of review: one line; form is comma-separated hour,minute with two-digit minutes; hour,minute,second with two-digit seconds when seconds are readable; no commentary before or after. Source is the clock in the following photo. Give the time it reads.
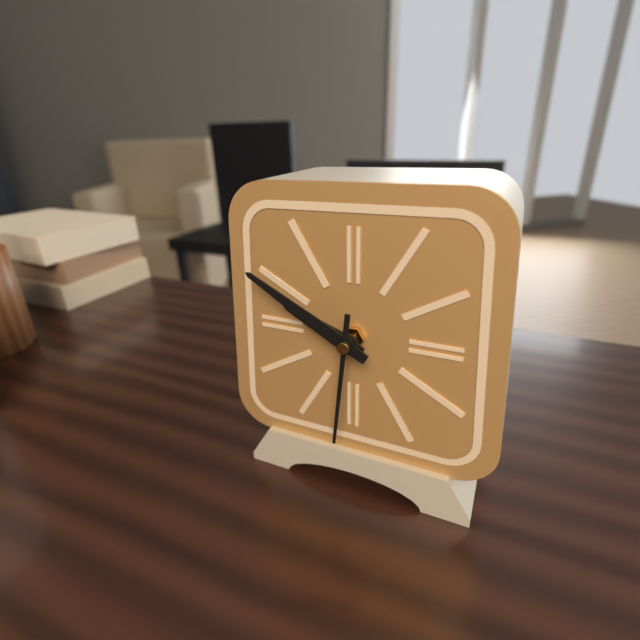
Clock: 9,50,31
